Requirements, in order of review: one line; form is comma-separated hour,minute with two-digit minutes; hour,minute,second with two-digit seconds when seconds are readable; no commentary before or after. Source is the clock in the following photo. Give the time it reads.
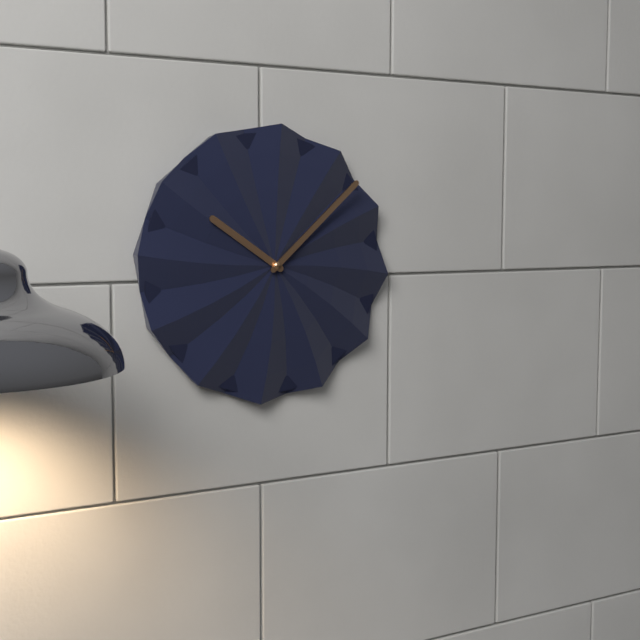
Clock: 10,08
